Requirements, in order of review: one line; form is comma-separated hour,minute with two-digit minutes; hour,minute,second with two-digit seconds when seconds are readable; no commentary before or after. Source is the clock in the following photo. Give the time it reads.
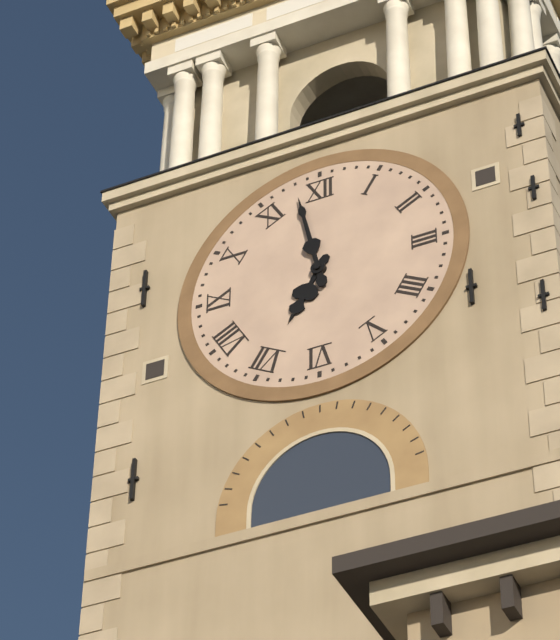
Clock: 6,58
